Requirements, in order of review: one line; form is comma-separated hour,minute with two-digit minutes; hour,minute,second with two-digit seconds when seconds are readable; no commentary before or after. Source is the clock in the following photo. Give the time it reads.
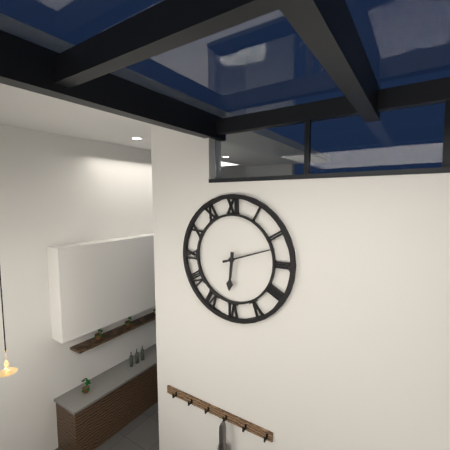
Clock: 6,12
